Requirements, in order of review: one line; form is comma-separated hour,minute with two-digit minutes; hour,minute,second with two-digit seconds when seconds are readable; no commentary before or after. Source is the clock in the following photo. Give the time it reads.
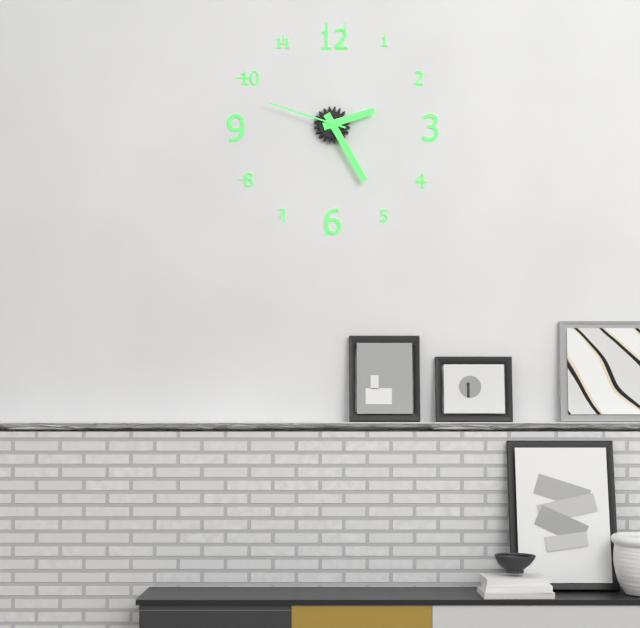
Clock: 2,25,48
